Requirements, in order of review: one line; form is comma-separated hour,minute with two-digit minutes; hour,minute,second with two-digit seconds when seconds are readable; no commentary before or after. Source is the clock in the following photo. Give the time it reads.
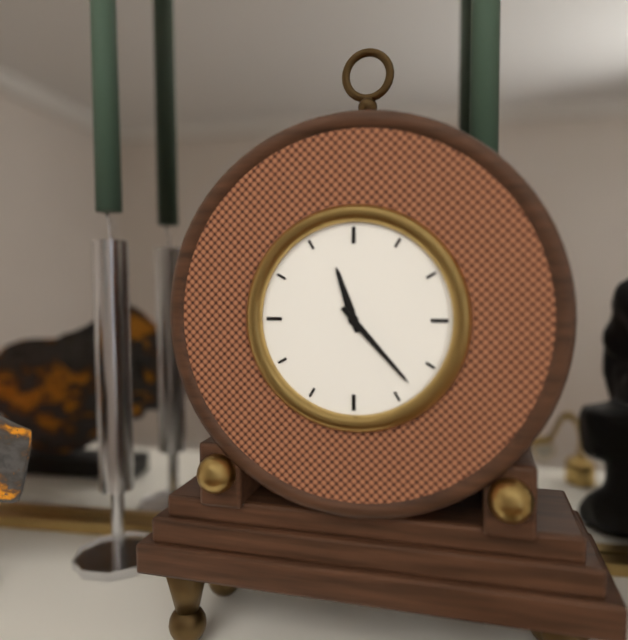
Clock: 11,23
